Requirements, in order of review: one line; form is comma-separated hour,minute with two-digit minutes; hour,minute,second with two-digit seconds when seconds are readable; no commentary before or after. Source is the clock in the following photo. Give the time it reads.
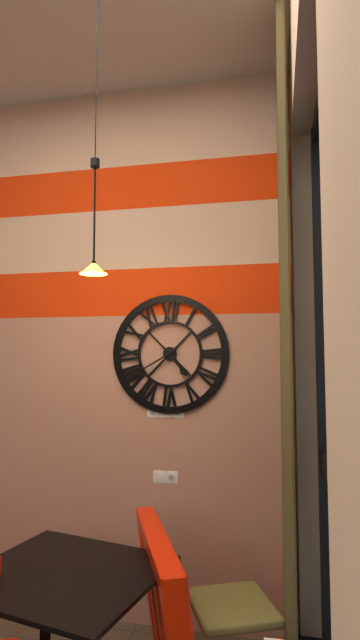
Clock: 4,40
